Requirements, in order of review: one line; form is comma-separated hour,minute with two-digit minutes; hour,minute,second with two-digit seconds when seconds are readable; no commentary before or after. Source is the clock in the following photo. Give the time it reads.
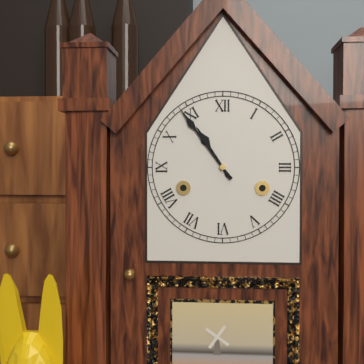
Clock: 10,54
